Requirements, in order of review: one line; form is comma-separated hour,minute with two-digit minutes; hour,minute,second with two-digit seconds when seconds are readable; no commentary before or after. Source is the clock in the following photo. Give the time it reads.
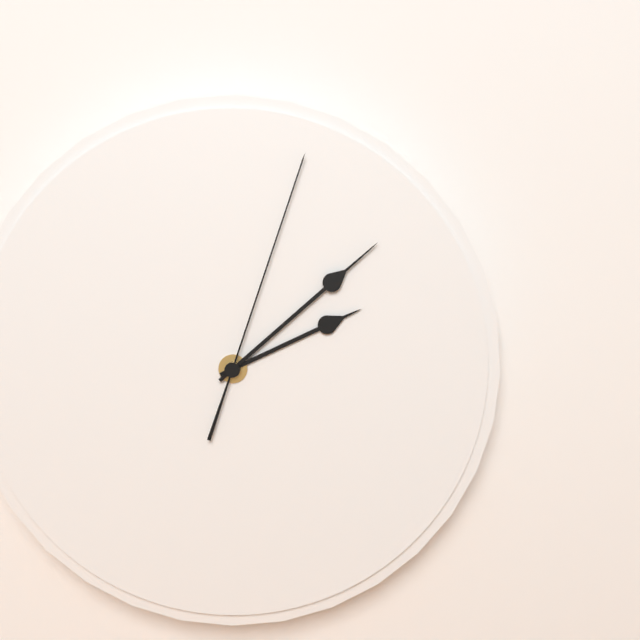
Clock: 2,08,03
